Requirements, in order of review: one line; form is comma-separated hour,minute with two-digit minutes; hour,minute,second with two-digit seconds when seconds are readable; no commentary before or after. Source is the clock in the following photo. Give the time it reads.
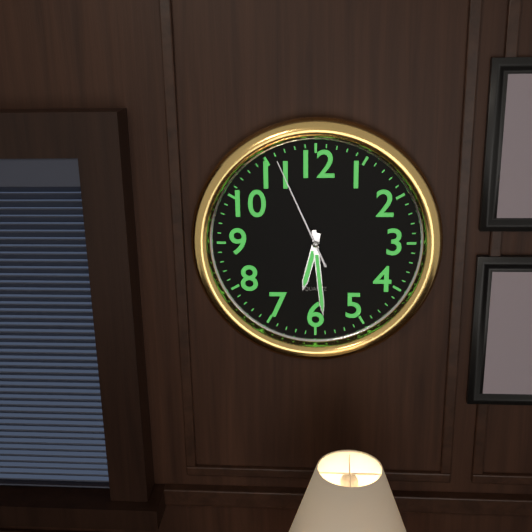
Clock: 6,29,56
